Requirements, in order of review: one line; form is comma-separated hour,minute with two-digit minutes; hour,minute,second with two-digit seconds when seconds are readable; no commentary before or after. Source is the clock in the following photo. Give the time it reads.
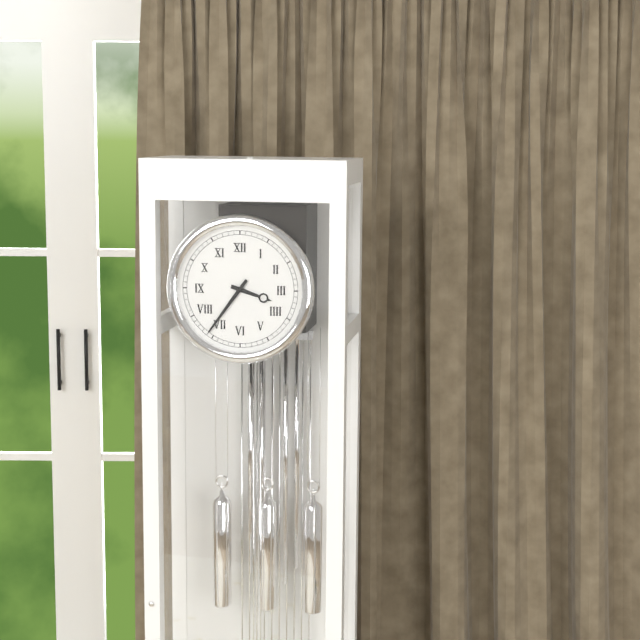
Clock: 3,36
